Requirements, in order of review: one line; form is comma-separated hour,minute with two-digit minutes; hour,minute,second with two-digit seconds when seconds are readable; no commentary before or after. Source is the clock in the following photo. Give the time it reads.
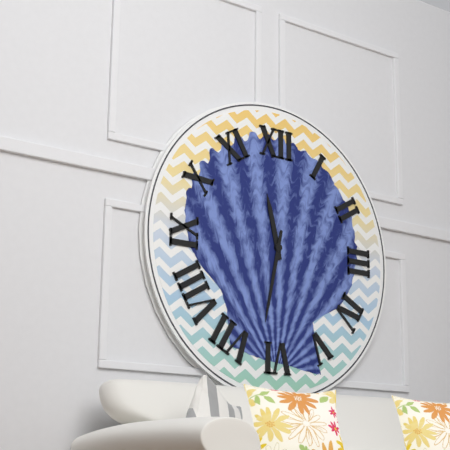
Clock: 11,32
